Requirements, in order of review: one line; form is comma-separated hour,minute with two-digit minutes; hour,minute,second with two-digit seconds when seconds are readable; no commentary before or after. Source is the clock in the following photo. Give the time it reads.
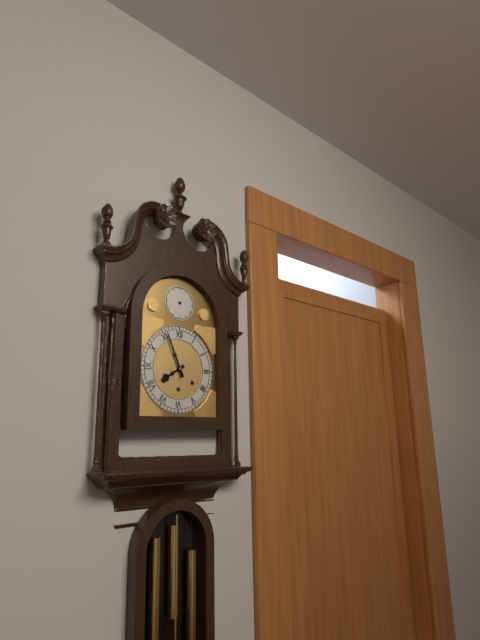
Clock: 7,56
